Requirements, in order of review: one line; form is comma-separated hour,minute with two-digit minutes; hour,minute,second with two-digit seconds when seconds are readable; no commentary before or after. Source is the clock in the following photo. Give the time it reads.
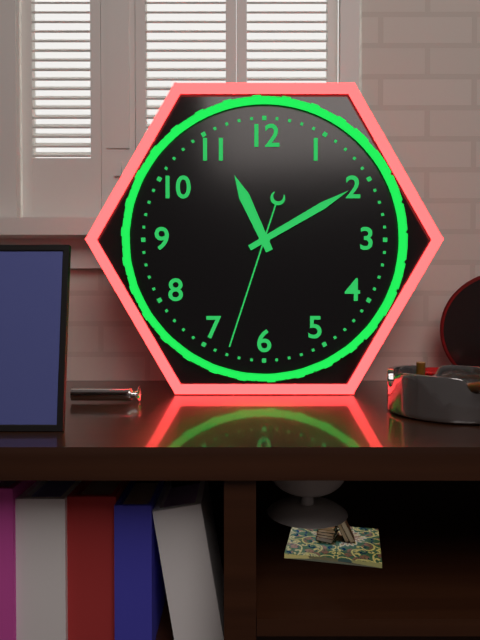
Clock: 11,10,33
